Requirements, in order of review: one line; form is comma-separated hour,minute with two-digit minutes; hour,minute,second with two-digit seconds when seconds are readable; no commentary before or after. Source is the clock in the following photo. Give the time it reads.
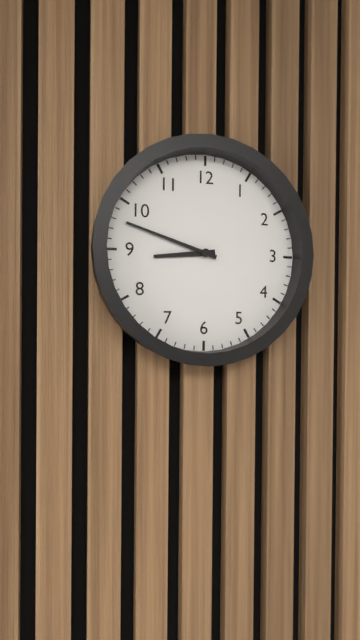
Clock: 8,48
